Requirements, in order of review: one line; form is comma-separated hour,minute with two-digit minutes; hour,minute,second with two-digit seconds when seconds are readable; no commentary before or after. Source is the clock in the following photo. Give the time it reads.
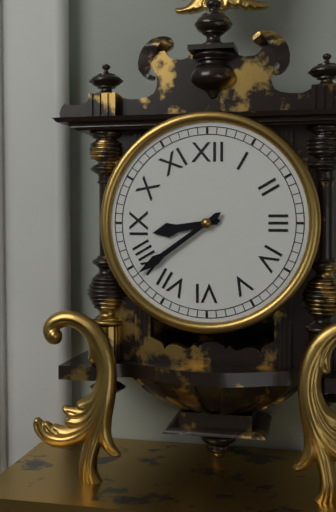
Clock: 8,39
